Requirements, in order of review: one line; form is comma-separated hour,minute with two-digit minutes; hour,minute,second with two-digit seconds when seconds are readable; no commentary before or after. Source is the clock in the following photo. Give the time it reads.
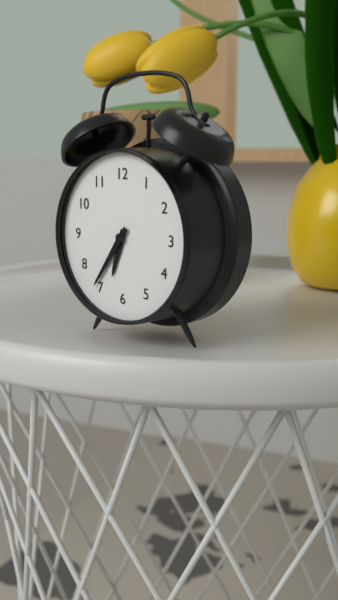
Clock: 6,36
